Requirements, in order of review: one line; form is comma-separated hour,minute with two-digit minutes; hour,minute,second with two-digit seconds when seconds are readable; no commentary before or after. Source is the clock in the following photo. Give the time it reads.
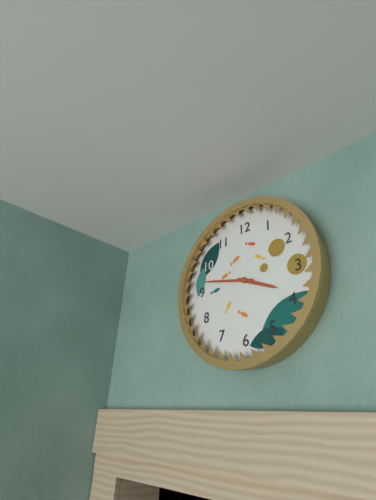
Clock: 3,47
